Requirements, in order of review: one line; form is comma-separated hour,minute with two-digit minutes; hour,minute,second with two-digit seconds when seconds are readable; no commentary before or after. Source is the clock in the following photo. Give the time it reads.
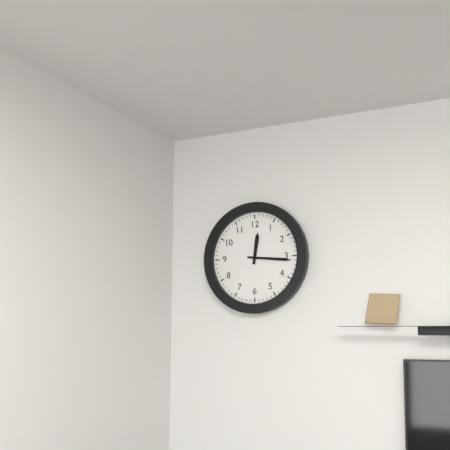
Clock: 12,16
